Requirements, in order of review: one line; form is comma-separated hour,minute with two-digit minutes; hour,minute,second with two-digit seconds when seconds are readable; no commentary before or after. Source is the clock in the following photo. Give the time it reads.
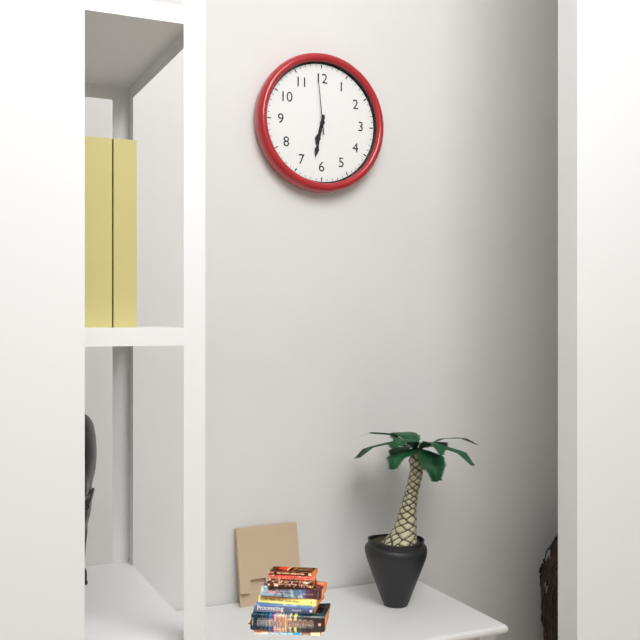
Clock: 6,32,59
